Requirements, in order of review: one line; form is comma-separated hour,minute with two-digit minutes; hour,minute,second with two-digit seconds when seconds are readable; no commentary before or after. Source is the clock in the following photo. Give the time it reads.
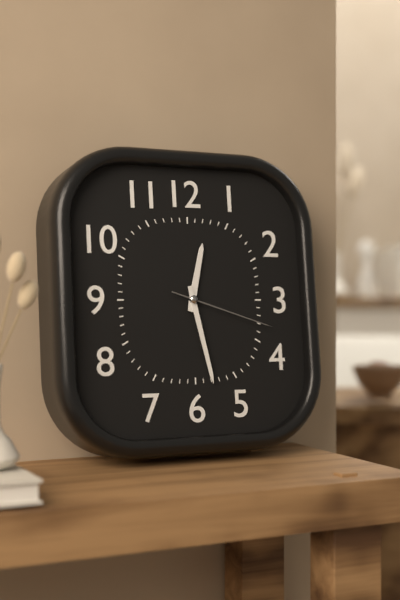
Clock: 12,28,18
